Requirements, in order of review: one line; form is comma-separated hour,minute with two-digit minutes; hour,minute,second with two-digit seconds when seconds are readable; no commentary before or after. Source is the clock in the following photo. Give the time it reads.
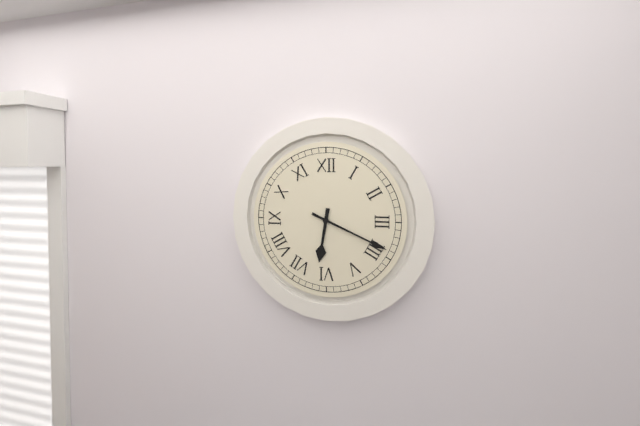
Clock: 6,19
